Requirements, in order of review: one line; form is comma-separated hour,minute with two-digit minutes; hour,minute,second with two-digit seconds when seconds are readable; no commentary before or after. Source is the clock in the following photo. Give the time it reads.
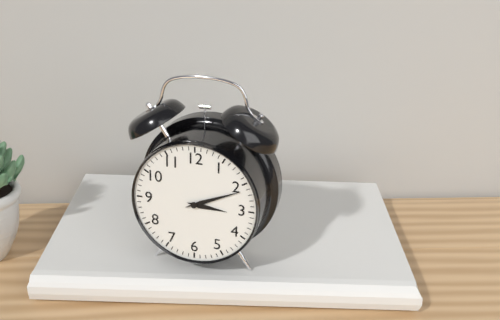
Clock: 3,11
